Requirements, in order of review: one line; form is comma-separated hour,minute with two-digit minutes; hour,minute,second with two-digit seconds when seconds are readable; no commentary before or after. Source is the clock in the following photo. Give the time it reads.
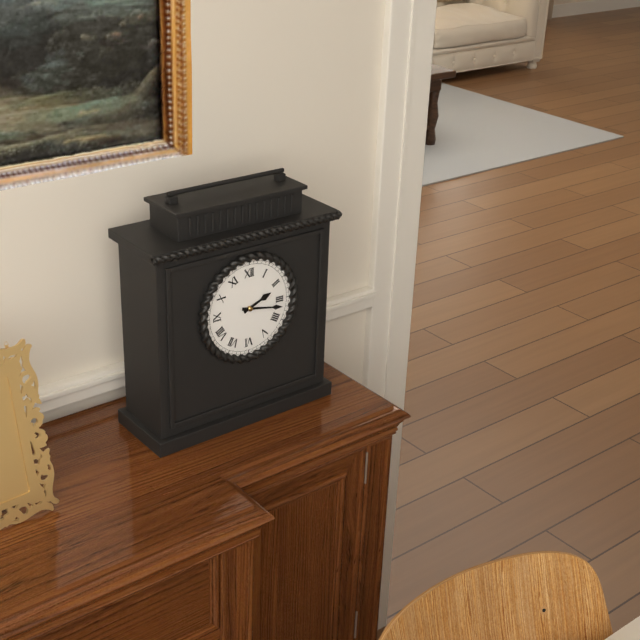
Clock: 2,17
